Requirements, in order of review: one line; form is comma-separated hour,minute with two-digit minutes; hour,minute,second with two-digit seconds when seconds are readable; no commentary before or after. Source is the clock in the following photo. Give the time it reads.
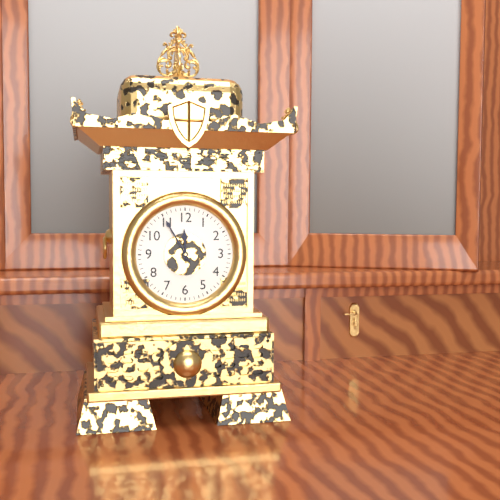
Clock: 11,55
